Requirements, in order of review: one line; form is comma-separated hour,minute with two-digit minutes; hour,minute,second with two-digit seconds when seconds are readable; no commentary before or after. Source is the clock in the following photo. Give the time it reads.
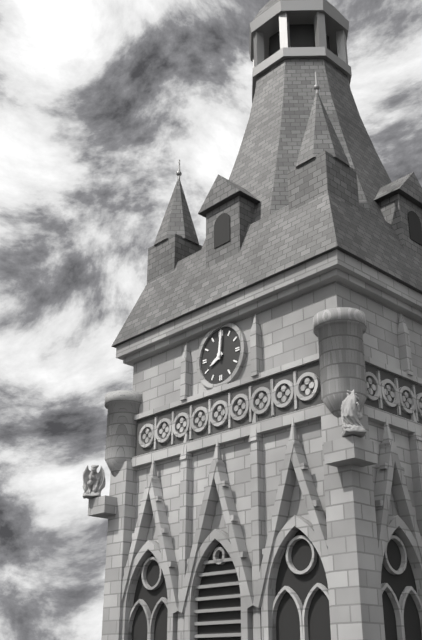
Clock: 8,01
